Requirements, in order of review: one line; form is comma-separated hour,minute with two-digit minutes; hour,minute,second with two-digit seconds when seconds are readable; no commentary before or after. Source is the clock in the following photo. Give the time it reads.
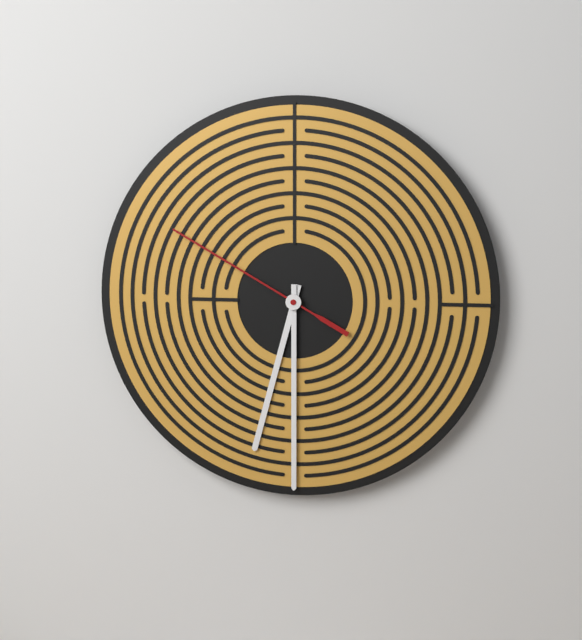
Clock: 6,30,50
